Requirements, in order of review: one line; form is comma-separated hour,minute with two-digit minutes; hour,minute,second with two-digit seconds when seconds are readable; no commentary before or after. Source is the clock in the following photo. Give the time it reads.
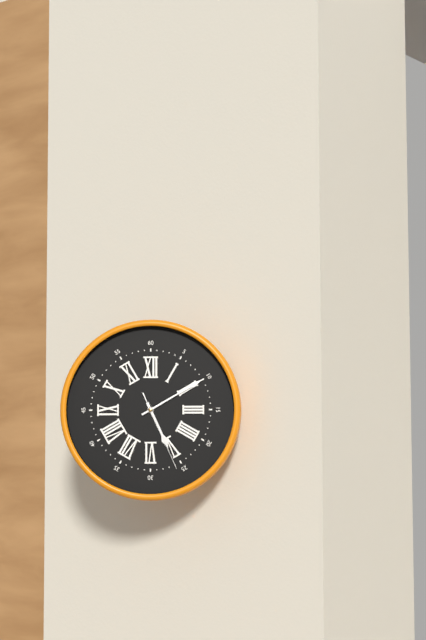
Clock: 5,10,26
